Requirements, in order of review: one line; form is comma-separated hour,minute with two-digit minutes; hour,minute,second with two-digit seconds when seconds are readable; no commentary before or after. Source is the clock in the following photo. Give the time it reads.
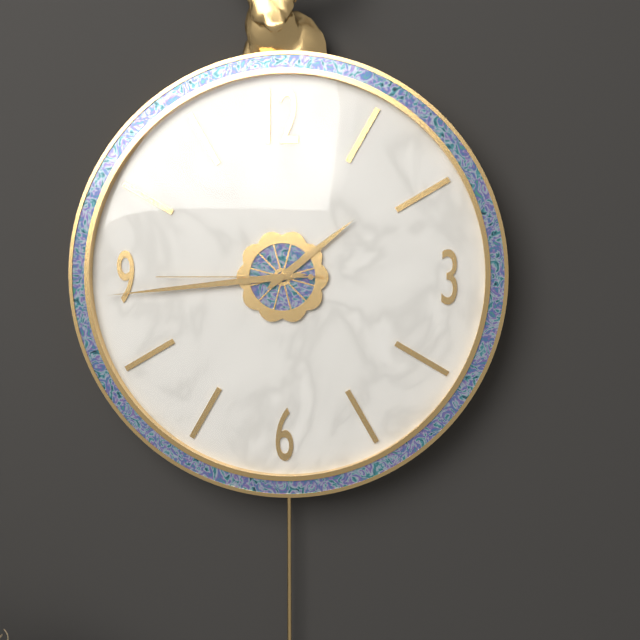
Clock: 1,44,45
